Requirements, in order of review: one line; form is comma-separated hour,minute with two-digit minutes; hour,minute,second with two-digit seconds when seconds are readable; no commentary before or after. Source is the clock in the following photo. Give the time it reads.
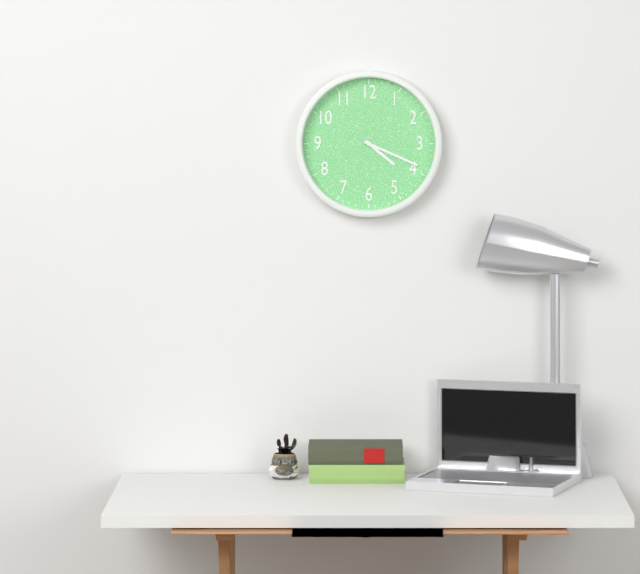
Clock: 4,19
